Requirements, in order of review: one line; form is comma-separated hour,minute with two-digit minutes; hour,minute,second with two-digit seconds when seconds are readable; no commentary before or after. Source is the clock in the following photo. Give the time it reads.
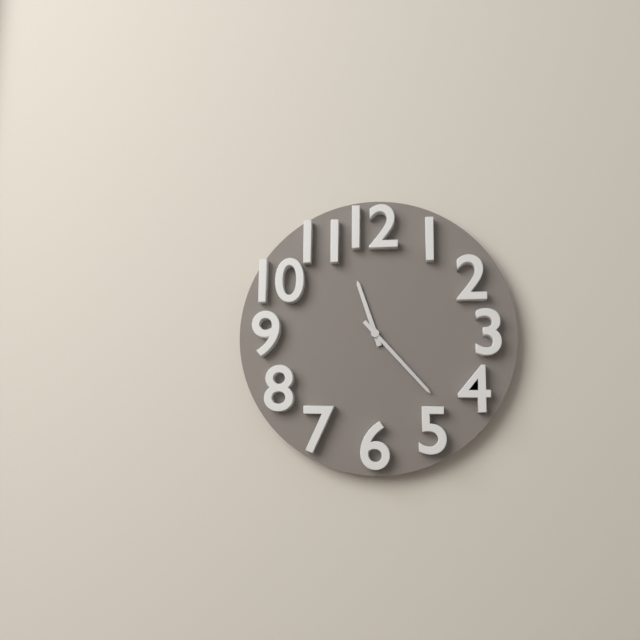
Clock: 11,23
